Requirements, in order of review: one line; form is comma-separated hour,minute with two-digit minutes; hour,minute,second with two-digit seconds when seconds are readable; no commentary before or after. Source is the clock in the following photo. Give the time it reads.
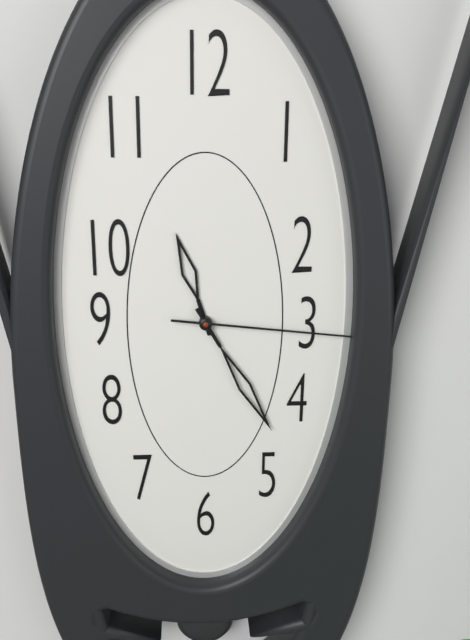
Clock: 11,25,16
